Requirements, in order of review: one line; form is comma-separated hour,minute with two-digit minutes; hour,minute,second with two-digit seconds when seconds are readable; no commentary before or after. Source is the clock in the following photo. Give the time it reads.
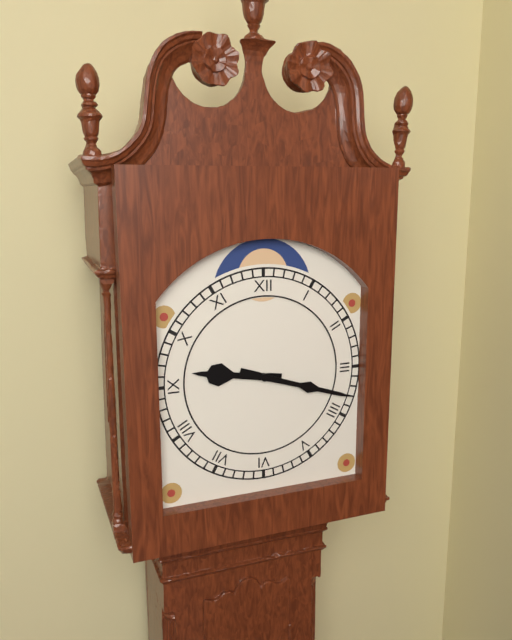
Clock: 9,18
